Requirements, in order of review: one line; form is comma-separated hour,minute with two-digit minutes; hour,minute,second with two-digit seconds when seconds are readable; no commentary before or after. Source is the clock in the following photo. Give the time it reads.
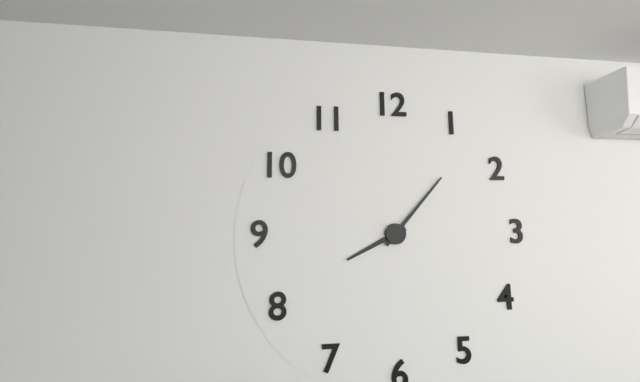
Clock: 8,07
